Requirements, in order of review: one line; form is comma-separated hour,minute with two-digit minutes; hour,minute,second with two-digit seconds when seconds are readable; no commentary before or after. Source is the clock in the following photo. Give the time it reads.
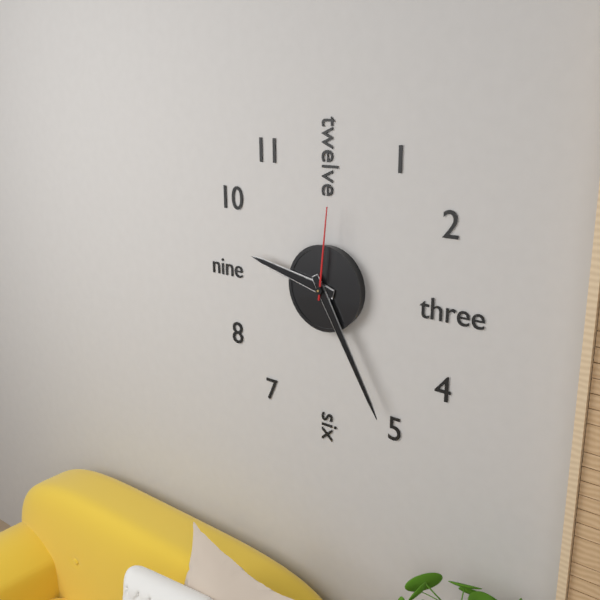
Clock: 9,25,01
